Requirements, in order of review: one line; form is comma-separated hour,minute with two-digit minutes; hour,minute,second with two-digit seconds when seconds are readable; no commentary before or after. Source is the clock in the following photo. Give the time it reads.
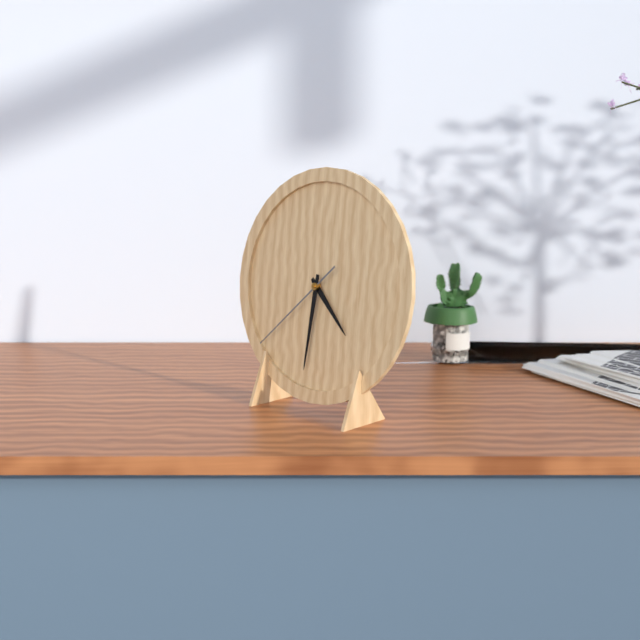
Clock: 4,31,38
